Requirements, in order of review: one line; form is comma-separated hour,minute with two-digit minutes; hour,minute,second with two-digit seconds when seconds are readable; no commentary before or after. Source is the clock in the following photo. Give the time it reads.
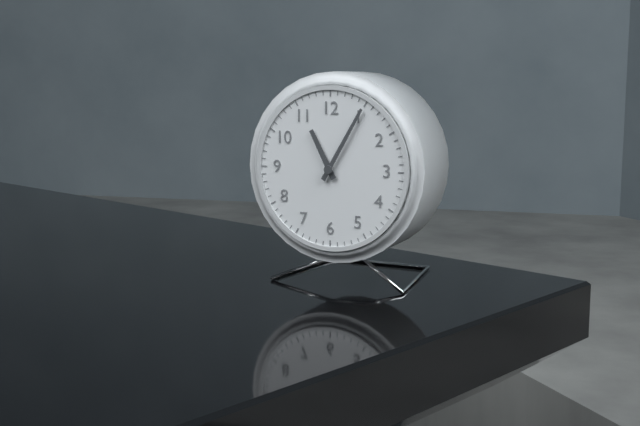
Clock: 11,05
